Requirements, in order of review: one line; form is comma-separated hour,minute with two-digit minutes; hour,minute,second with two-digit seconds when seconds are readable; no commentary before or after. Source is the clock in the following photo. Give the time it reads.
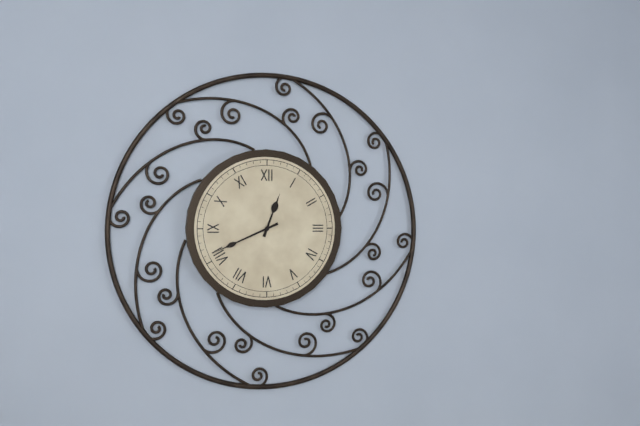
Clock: 12,41
